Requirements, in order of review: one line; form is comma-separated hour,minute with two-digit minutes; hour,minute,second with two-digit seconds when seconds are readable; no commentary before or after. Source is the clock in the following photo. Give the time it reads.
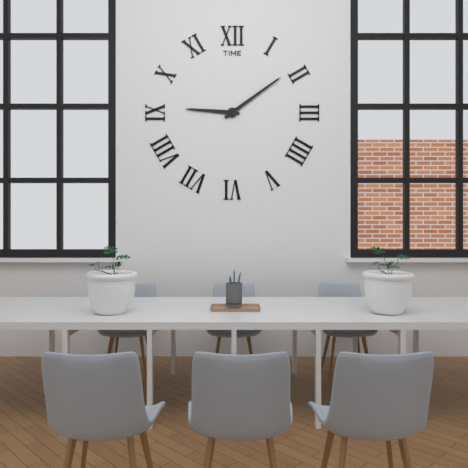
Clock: 9,09
